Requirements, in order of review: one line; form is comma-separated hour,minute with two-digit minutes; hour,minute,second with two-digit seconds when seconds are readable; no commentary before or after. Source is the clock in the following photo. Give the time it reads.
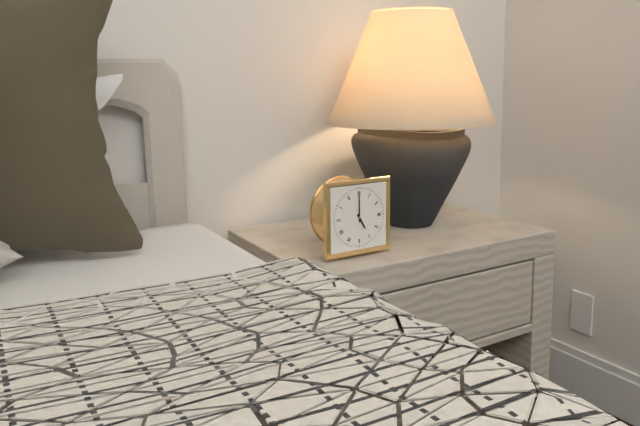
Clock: 5,00
